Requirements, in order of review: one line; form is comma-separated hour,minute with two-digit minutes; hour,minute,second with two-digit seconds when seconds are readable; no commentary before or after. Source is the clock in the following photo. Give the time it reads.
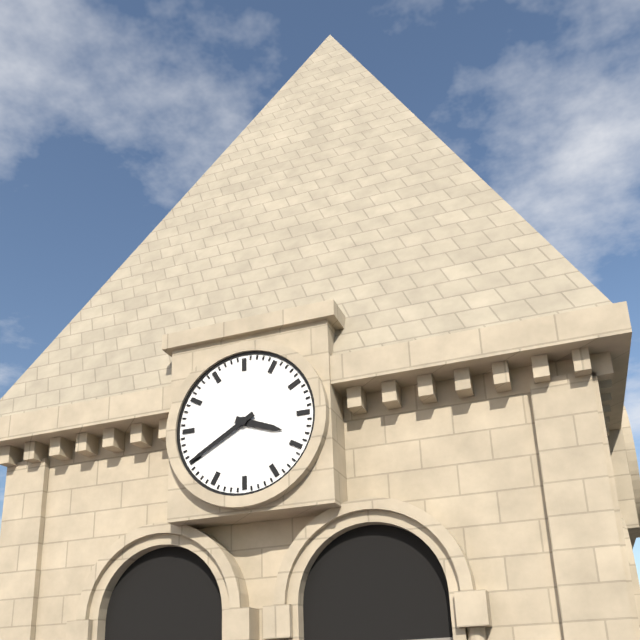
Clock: 3,40
